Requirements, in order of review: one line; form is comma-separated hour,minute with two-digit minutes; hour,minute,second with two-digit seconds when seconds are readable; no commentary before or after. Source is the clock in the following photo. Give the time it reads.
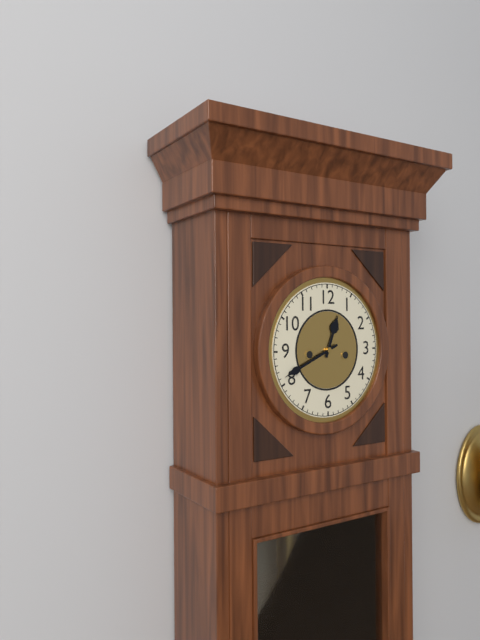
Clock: 12,41
